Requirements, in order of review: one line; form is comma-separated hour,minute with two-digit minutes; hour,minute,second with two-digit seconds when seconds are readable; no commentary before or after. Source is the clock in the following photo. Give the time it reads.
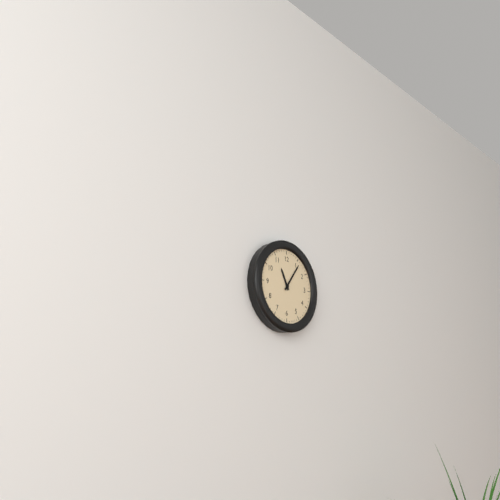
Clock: 11,06
